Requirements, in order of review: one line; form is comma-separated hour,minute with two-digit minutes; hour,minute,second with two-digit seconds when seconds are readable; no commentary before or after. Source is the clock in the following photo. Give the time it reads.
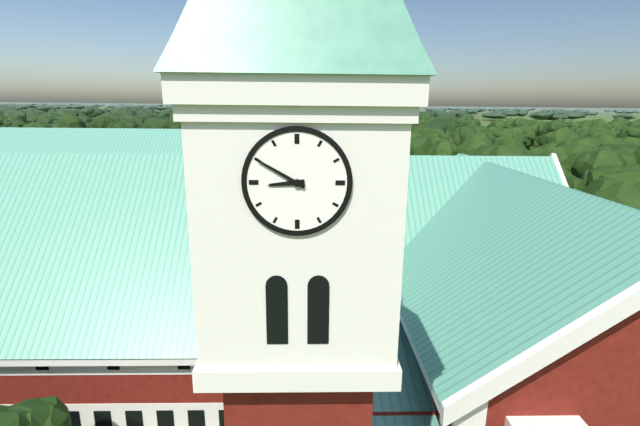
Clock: 8,50
